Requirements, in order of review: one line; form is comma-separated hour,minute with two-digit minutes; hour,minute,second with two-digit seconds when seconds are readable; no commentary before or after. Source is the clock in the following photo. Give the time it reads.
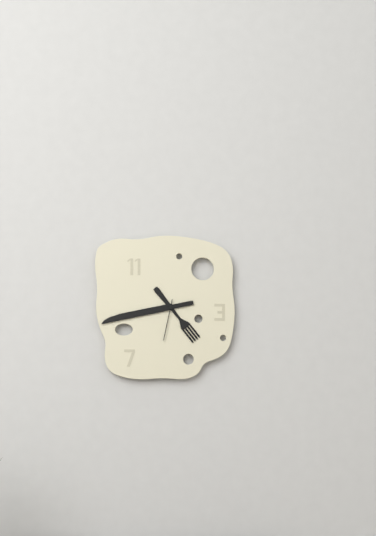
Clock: 4,43
